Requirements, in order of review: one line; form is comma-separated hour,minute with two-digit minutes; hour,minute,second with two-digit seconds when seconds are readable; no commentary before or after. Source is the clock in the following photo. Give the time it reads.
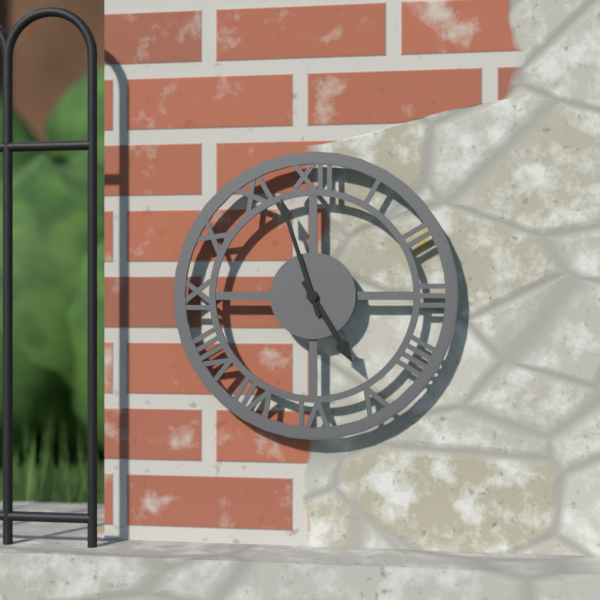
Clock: 4,57
